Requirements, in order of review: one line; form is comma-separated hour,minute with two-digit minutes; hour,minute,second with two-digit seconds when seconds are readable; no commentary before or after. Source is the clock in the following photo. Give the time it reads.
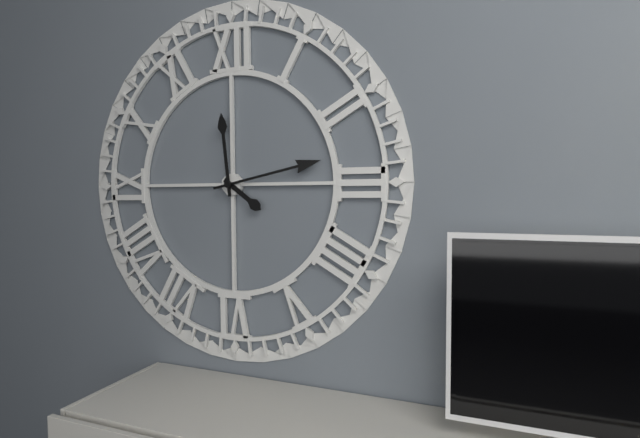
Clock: 4,13,59
